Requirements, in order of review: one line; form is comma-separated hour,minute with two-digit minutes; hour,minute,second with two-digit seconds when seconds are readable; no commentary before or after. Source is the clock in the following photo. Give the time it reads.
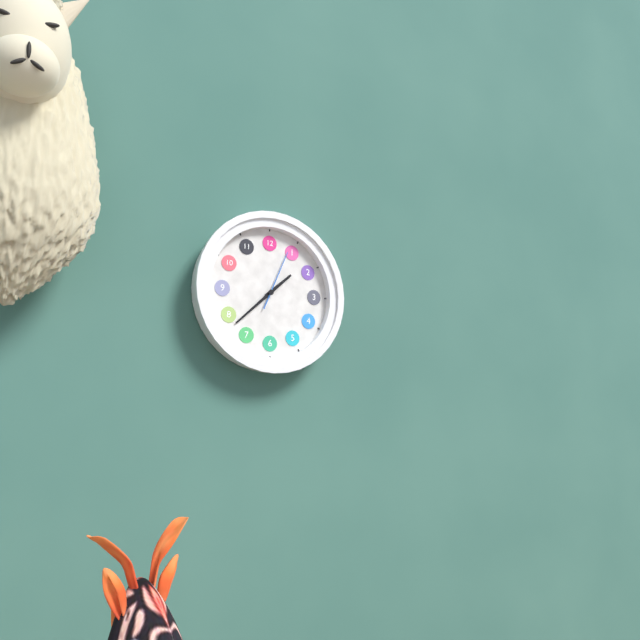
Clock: 1,38,04
